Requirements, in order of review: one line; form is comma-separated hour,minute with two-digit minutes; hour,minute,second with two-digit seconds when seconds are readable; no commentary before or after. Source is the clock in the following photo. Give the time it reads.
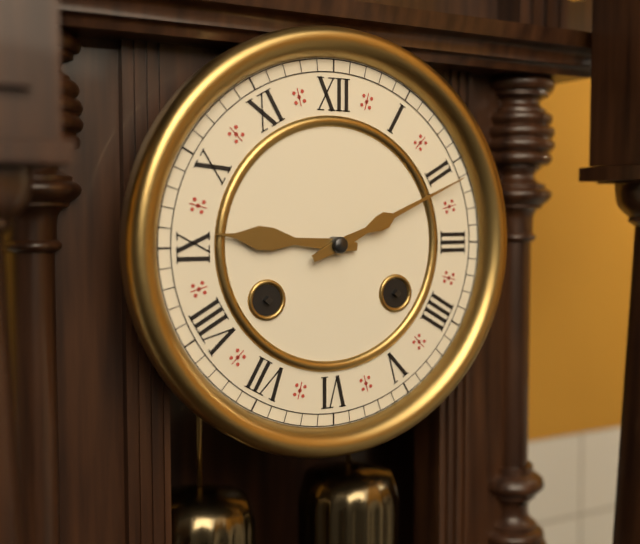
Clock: 9,11
